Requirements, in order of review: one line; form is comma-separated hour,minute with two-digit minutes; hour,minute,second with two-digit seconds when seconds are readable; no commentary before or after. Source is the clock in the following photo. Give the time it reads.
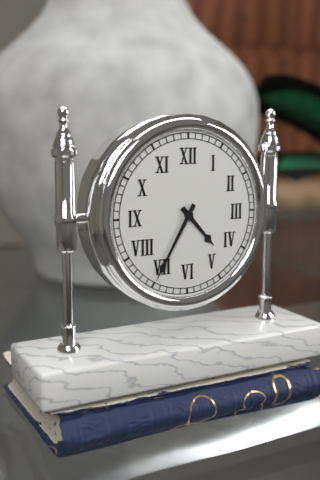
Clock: 4,35
